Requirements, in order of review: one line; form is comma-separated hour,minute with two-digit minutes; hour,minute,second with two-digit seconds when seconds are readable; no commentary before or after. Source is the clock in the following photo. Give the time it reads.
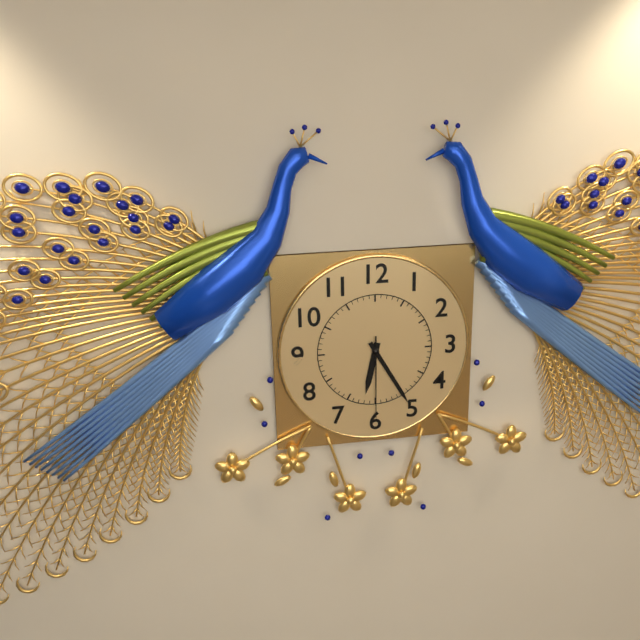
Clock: 6,25,30
